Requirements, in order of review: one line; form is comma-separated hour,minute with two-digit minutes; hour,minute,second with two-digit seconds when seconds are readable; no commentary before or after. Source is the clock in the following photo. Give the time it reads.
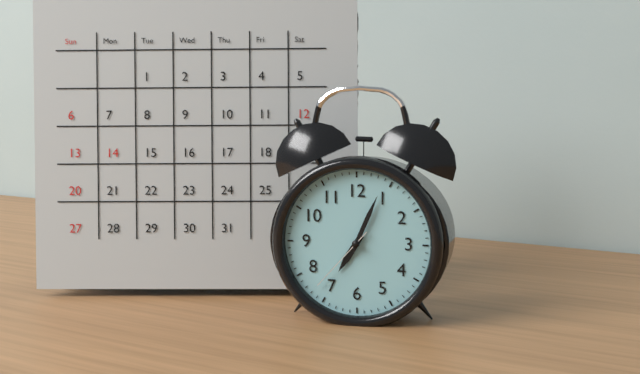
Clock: 7,04,37
